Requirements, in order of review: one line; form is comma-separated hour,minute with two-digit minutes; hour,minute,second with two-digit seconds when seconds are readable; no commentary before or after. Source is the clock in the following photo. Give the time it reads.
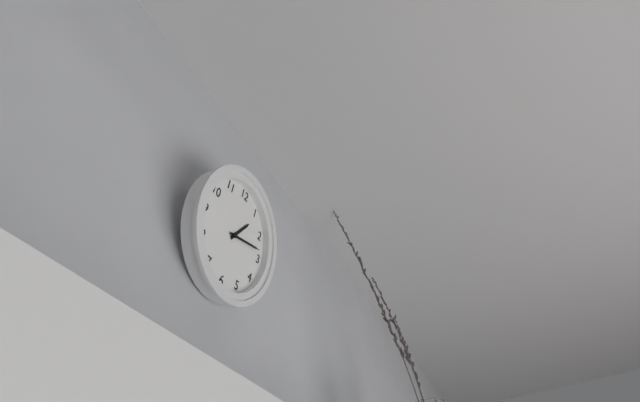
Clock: 1,13
